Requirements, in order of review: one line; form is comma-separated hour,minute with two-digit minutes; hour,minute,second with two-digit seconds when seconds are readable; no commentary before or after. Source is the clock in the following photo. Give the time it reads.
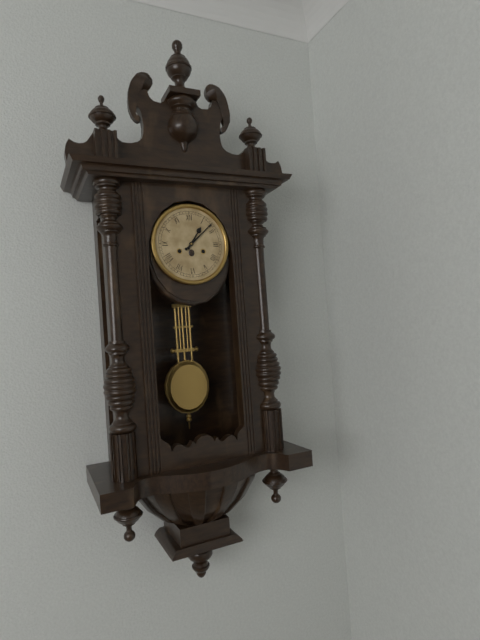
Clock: 1,08
